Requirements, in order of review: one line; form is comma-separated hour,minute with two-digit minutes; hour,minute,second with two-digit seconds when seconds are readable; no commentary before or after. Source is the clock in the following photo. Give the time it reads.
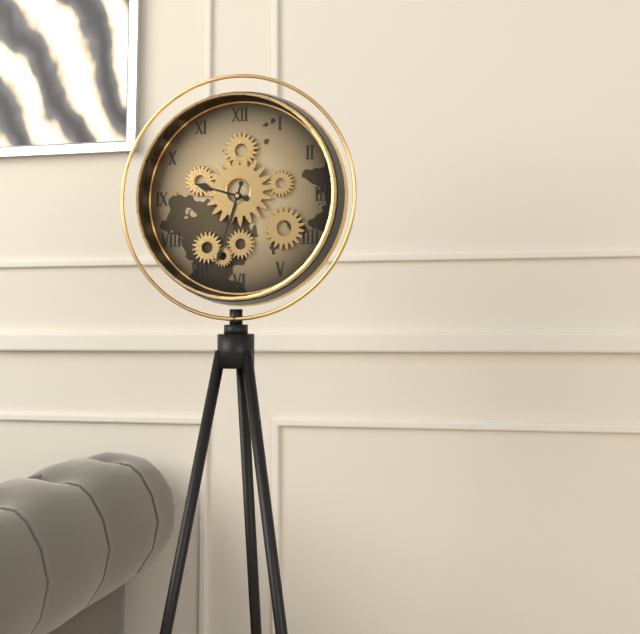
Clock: 9,33
